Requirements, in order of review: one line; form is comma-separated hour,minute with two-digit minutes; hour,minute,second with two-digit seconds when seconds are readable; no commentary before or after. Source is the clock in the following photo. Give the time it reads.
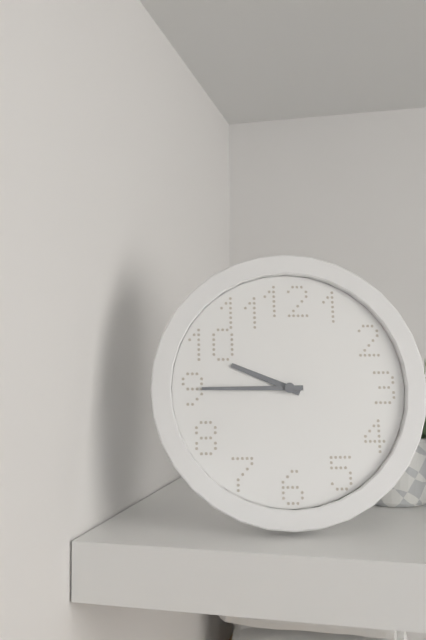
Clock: 9,45
